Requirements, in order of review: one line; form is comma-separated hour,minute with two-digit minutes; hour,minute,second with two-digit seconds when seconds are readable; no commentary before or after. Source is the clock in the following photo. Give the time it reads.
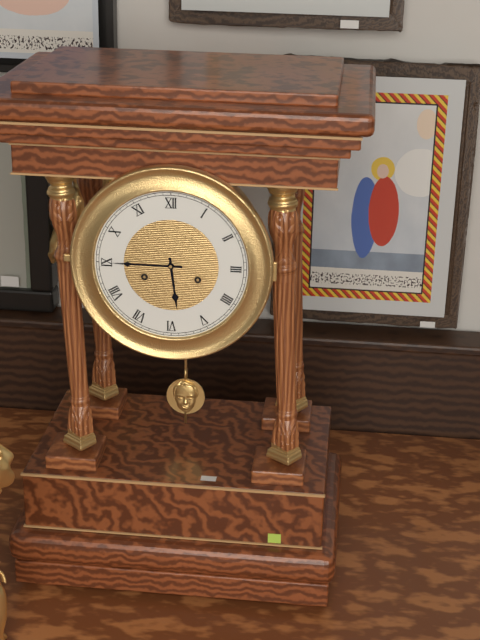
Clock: 5,45
